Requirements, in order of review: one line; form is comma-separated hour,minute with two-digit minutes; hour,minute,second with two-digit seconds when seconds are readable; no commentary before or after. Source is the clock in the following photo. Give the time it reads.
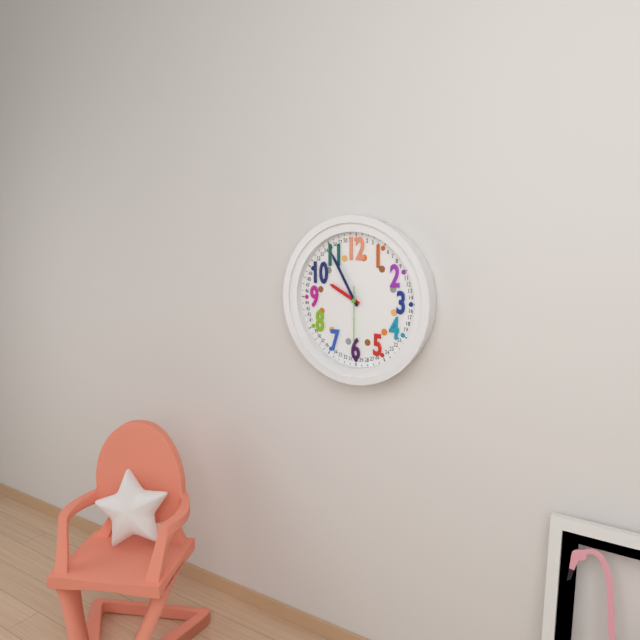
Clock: 9,55,30
